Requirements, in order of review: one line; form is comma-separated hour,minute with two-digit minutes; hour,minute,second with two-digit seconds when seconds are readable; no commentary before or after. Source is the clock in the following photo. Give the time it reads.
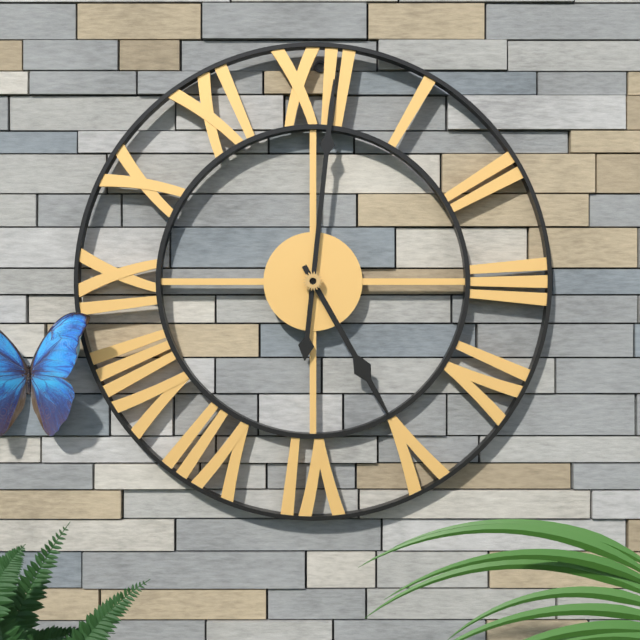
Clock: 5,01
